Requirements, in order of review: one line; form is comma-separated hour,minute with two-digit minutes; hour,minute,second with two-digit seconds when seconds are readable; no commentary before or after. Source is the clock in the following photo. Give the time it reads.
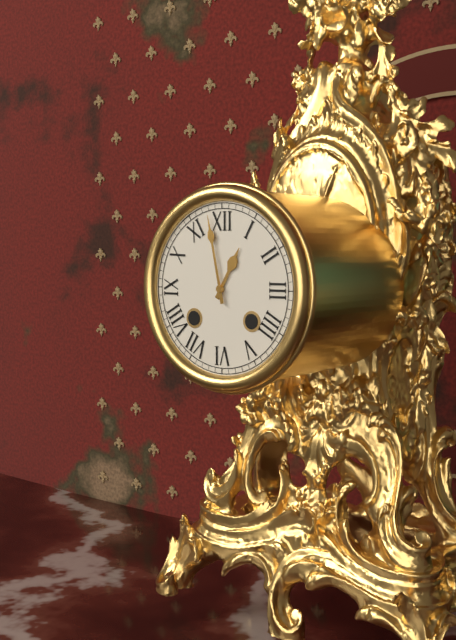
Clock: 12,58
